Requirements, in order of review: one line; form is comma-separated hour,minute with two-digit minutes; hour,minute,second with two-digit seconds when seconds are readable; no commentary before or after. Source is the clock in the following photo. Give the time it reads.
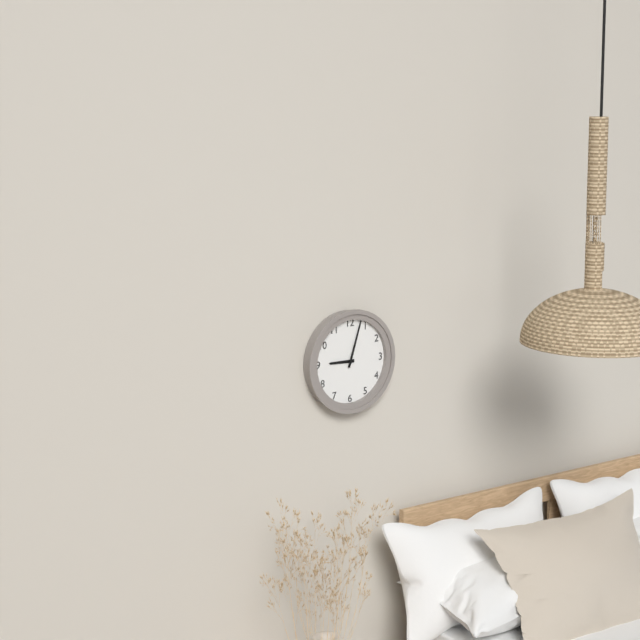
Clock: 9,03
